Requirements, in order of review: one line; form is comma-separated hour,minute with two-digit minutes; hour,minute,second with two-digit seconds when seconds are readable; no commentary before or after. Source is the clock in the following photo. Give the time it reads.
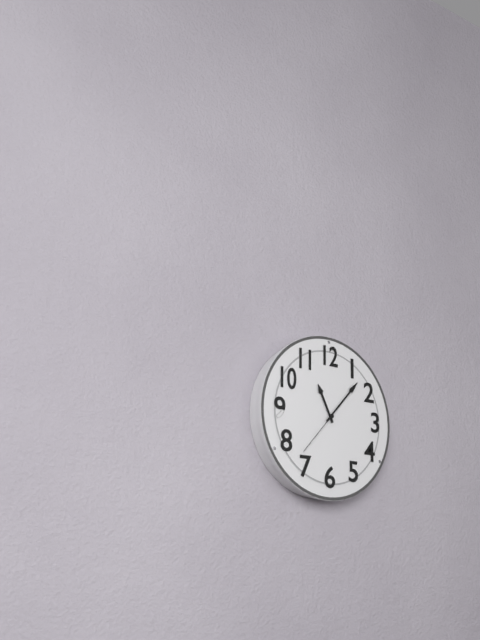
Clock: 11,07,37
